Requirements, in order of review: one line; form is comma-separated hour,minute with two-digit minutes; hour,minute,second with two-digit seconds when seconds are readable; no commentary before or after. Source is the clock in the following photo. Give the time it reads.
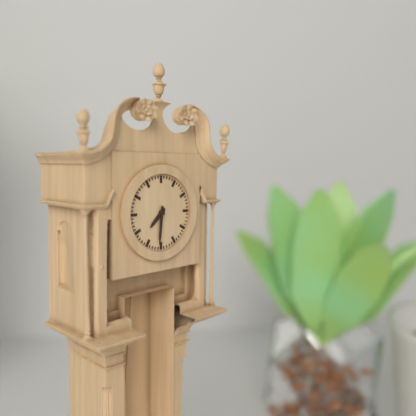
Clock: 7,31
